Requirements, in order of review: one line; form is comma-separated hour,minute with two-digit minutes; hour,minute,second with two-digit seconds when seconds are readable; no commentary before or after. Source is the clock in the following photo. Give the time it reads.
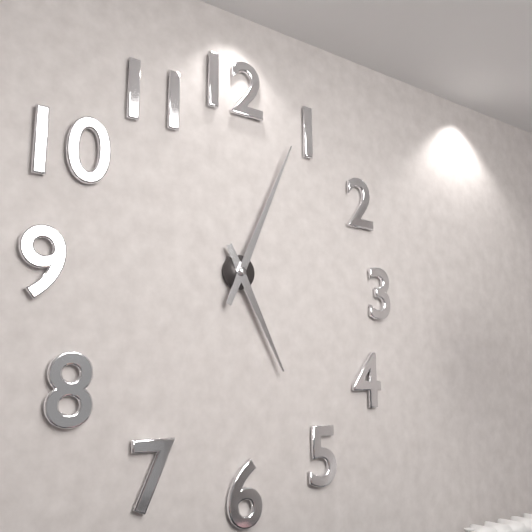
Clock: 5,04
